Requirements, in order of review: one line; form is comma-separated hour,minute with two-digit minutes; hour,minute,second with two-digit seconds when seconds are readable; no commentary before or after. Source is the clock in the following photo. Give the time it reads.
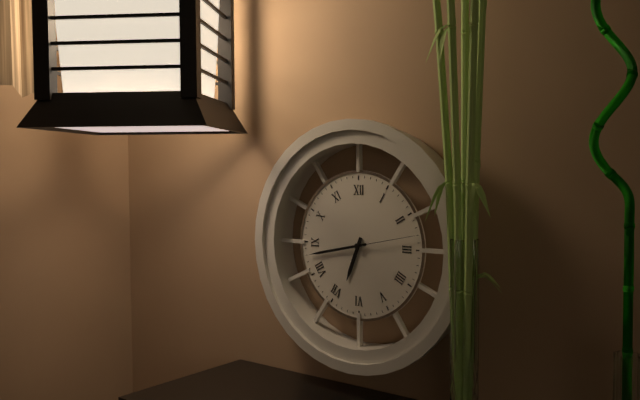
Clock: 6,43,13
